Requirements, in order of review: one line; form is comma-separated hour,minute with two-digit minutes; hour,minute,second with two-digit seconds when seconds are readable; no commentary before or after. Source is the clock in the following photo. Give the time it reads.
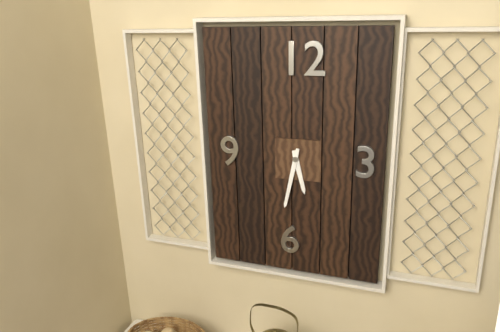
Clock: 5,32
